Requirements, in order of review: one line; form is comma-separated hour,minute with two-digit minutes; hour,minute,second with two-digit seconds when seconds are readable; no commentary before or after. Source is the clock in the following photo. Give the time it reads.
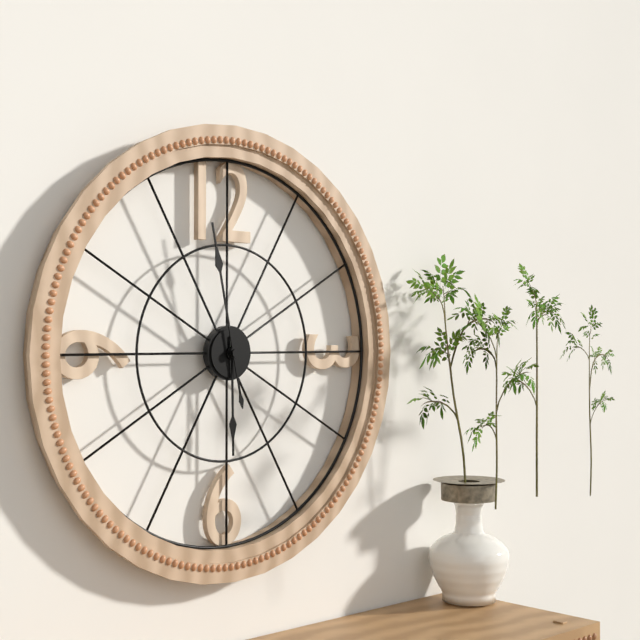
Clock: 5,58
